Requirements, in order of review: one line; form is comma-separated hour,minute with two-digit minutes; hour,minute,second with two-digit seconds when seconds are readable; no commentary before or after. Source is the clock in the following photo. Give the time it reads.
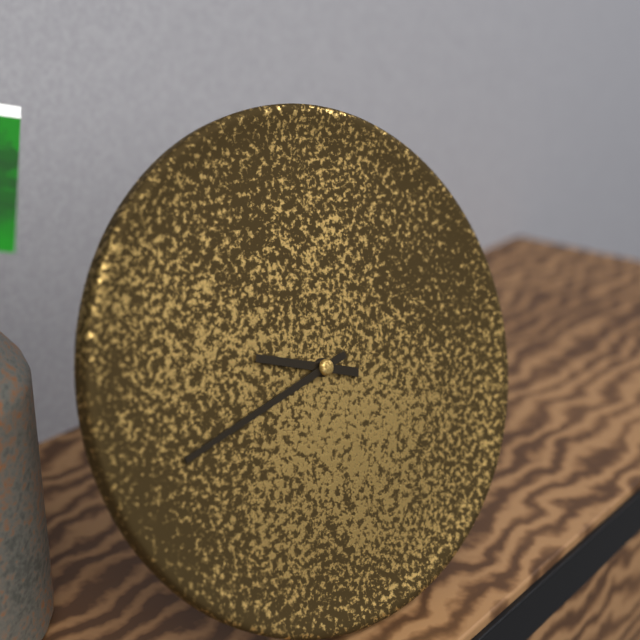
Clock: 9,43
